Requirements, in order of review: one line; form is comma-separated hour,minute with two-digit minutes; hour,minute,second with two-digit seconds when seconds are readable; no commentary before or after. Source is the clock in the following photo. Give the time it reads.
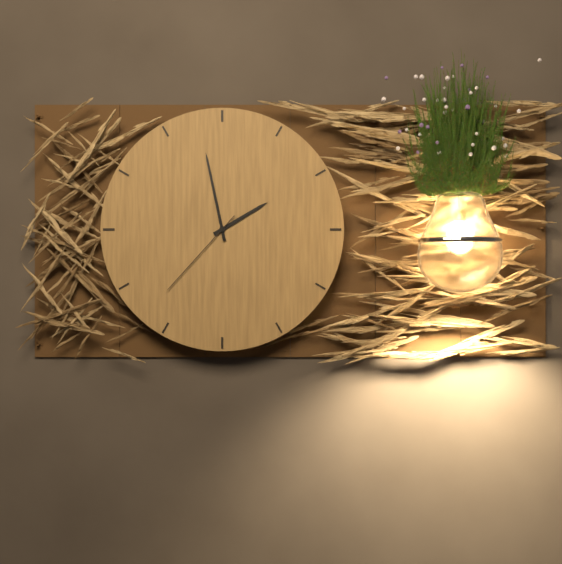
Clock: 1,58,37
